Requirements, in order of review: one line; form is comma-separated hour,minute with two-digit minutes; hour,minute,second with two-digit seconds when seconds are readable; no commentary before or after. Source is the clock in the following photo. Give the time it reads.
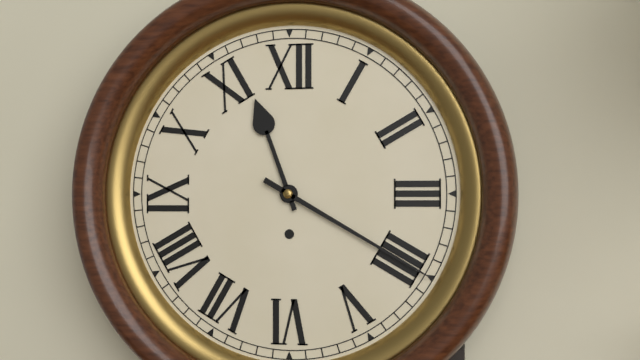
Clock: 11,20
